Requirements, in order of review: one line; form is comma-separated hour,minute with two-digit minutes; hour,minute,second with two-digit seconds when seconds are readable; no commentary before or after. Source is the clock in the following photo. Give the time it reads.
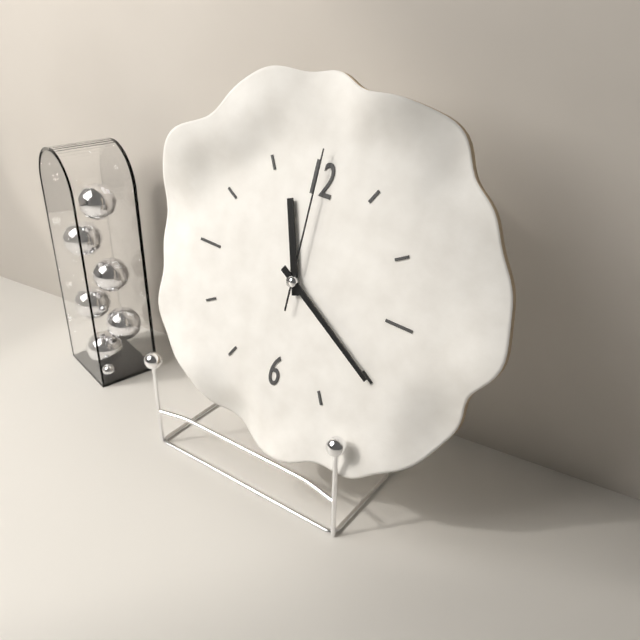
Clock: 11,20,00
